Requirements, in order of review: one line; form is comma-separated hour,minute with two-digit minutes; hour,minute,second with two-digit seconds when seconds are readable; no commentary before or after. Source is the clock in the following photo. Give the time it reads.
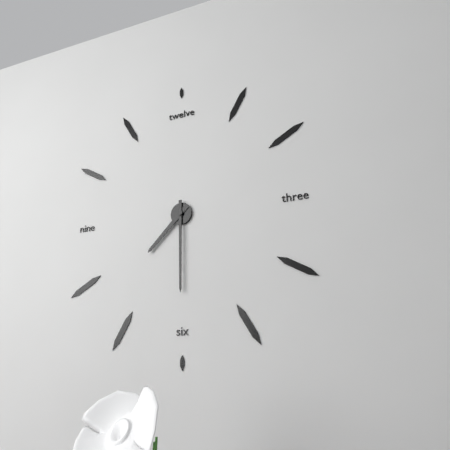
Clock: 7,30
